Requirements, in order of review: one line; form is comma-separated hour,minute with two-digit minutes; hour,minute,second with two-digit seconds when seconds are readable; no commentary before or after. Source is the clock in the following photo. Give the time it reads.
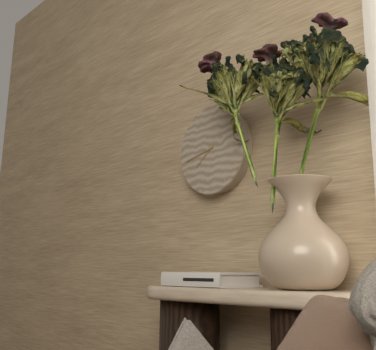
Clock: 7,43
